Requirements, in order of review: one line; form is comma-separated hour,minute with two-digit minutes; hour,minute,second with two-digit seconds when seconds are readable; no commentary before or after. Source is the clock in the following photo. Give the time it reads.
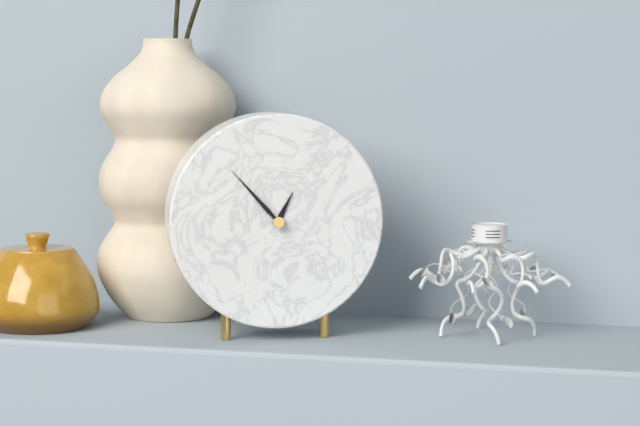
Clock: 12,53
